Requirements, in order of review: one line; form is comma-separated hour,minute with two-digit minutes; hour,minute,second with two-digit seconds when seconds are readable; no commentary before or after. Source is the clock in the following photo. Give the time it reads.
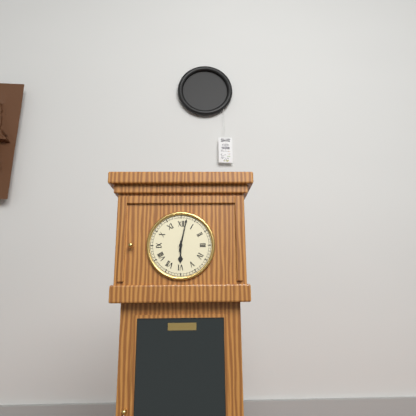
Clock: 6,02
